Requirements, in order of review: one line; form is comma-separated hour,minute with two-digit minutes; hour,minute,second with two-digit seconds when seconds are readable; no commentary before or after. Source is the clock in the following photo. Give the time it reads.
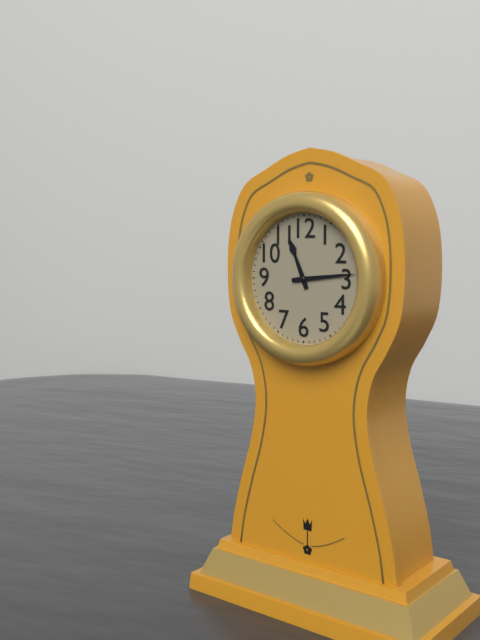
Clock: 11,14
